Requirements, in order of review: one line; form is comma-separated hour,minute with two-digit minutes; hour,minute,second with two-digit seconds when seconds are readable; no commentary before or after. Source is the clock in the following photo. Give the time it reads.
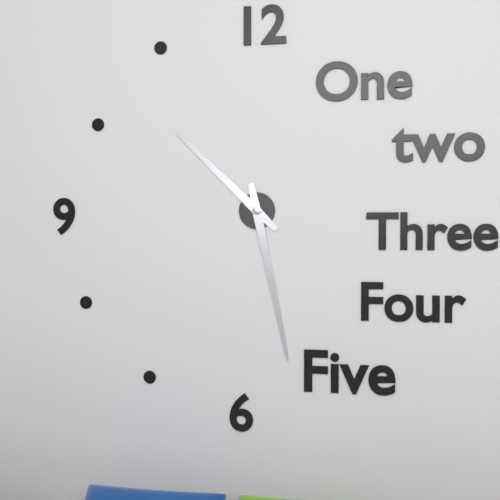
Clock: 10,28
